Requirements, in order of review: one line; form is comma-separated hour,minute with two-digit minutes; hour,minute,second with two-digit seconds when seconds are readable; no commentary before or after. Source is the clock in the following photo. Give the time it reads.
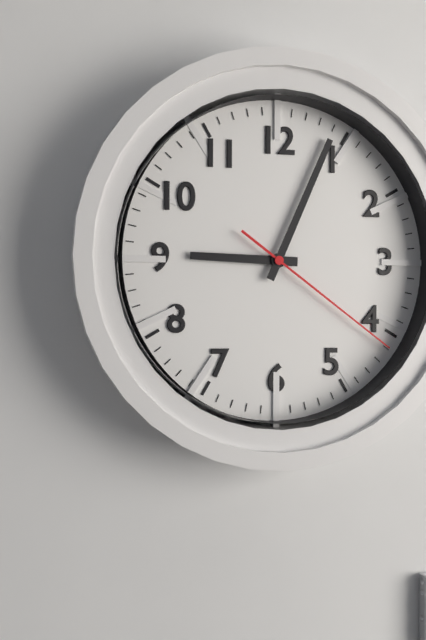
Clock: 9,04,21
